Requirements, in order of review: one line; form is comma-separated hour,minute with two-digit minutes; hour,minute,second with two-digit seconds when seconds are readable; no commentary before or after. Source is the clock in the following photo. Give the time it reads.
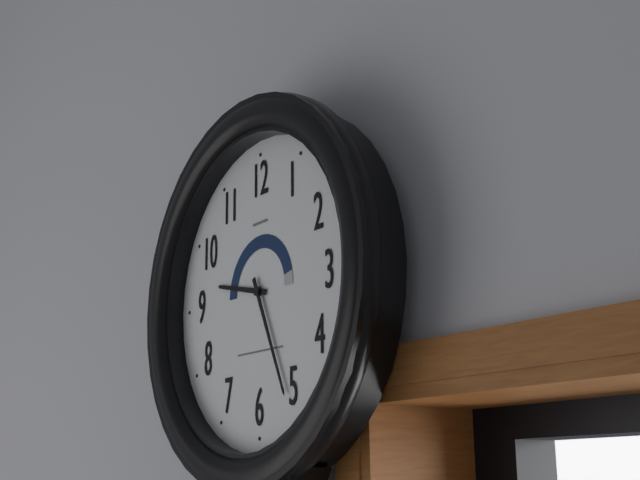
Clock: 9,26
